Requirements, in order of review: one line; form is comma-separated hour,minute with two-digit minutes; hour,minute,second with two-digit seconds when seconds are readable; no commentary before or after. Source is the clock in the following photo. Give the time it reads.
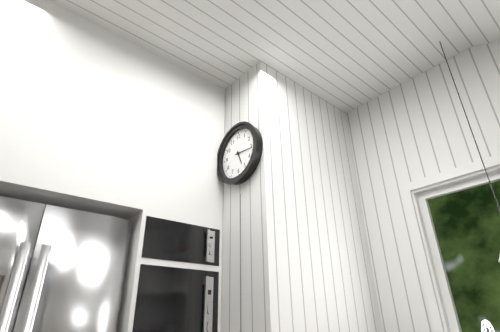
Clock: 5,16
